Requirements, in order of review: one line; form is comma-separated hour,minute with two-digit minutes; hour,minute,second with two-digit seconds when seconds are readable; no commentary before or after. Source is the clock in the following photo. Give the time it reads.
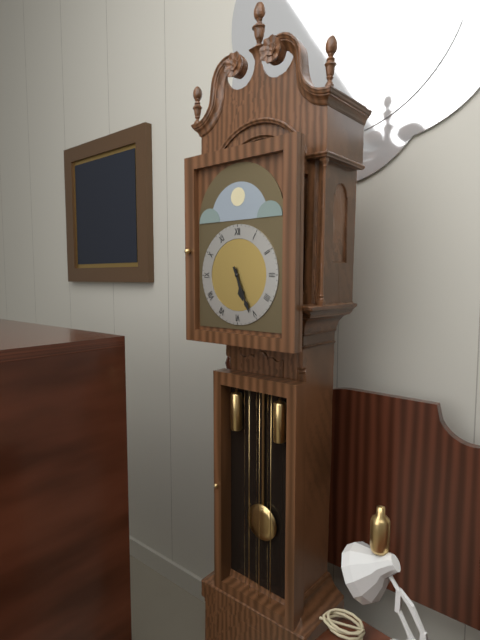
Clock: 5,26
